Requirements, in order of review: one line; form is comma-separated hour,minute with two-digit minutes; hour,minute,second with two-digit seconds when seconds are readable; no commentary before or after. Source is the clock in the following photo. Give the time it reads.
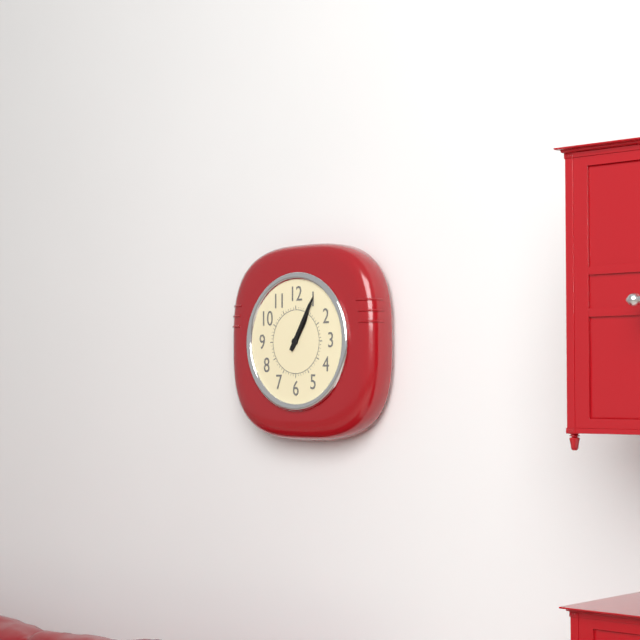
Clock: 1,05
